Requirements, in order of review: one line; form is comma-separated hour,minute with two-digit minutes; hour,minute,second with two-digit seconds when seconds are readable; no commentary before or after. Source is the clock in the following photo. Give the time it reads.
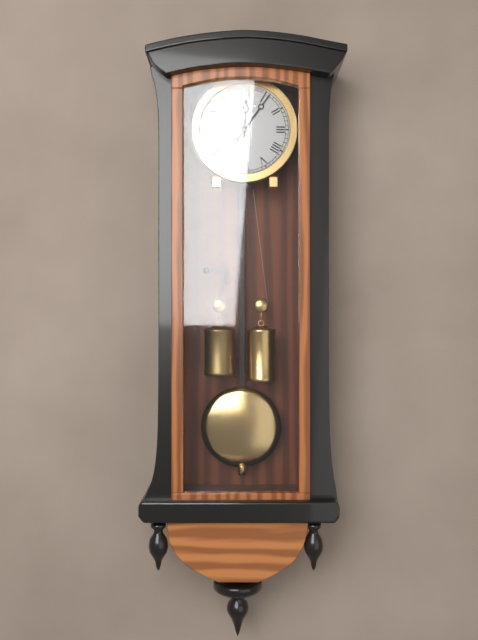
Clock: 12,06
